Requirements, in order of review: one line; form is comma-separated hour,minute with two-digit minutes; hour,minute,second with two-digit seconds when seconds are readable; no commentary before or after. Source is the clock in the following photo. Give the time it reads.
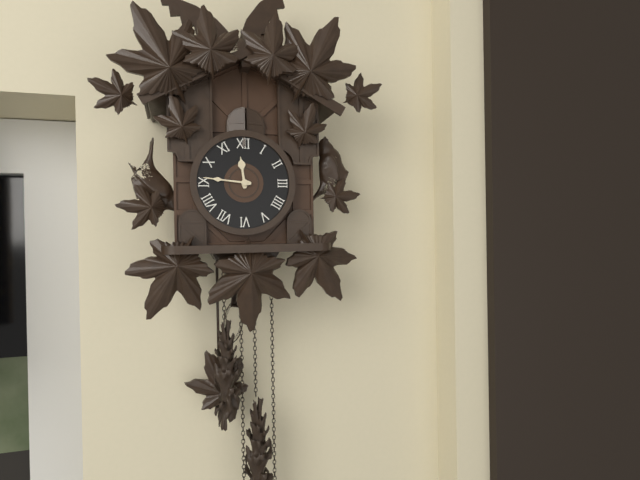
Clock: 11,46
